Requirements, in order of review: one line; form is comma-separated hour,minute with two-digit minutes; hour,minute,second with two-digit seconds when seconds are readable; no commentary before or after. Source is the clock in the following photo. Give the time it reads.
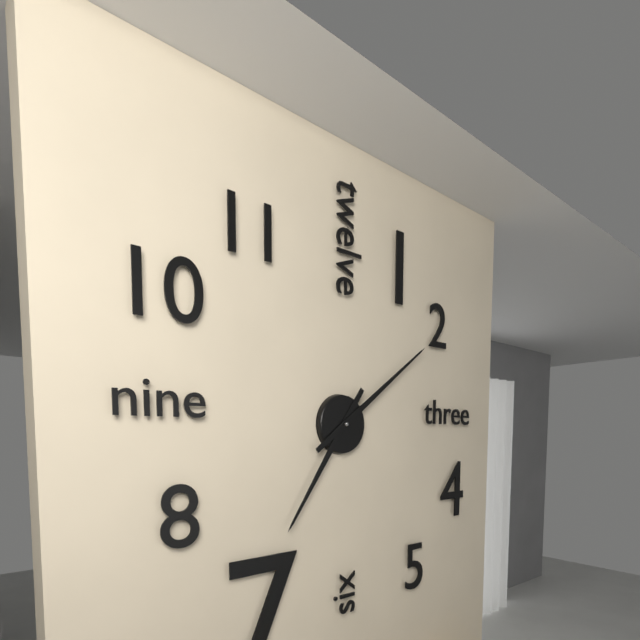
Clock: 7,09
